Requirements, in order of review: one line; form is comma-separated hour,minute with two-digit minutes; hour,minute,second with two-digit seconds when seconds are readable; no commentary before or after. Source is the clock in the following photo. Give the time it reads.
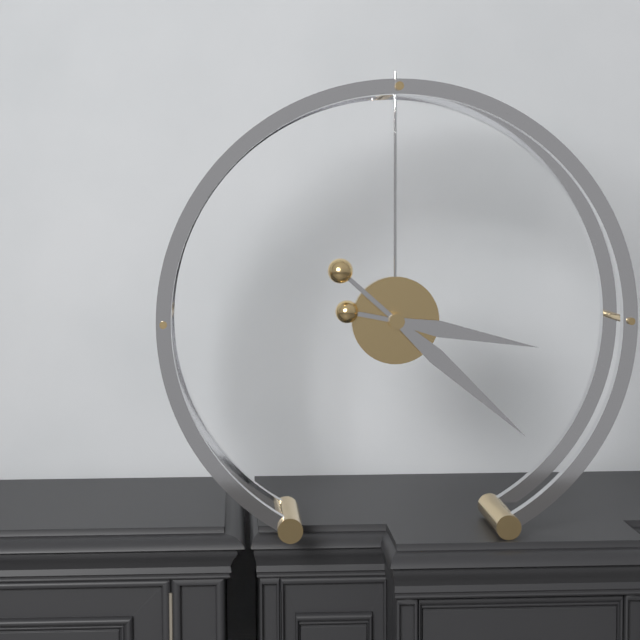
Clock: 3,22
